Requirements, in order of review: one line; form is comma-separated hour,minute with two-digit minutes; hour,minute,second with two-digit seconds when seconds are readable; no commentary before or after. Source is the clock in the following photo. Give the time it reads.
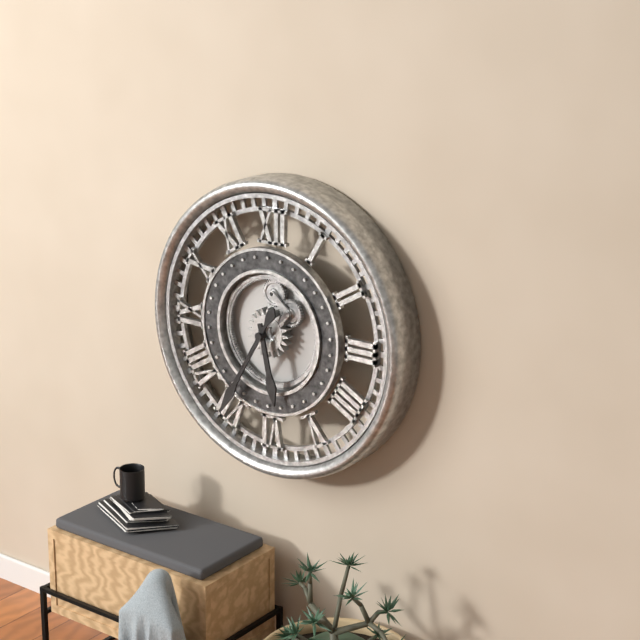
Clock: 5,35
